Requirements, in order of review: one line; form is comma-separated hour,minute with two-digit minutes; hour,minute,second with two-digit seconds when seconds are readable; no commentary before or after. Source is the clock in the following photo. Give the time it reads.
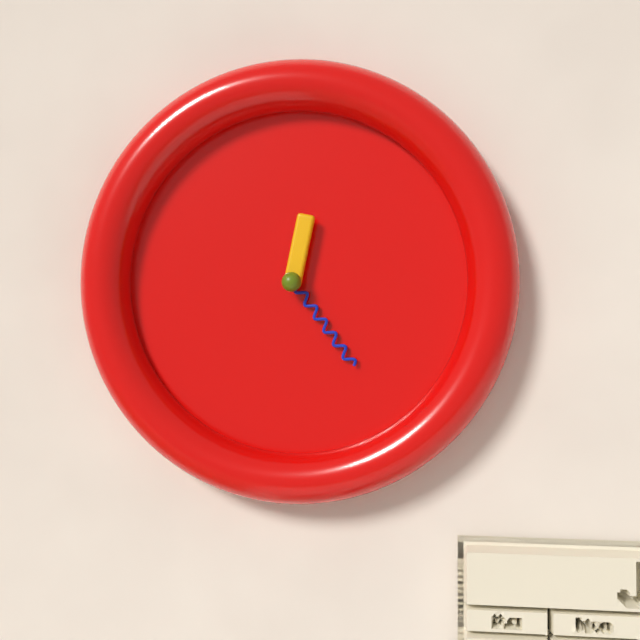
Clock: 12,24
